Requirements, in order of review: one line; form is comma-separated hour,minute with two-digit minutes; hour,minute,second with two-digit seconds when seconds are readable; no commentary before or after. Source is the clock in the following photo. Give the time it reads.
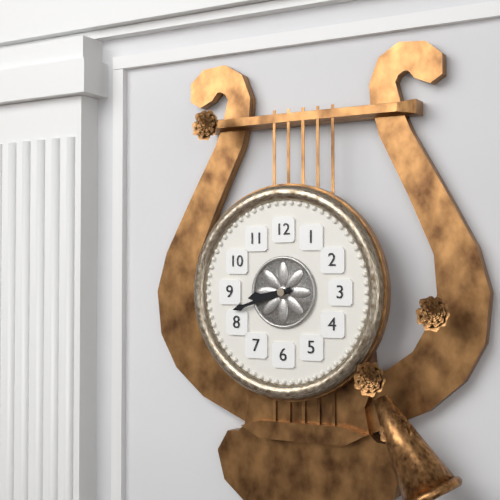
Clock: 8,42
